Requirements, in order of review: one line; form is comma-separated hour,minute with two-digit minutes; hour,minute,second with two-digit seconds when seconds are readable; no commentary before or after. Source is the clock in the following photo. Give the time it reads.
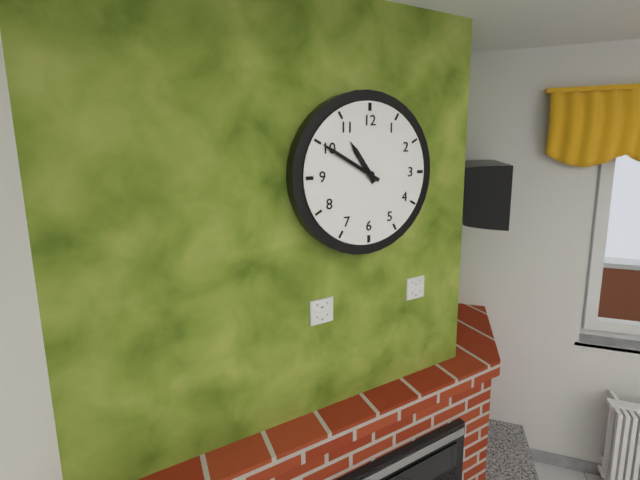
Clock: 10,50
